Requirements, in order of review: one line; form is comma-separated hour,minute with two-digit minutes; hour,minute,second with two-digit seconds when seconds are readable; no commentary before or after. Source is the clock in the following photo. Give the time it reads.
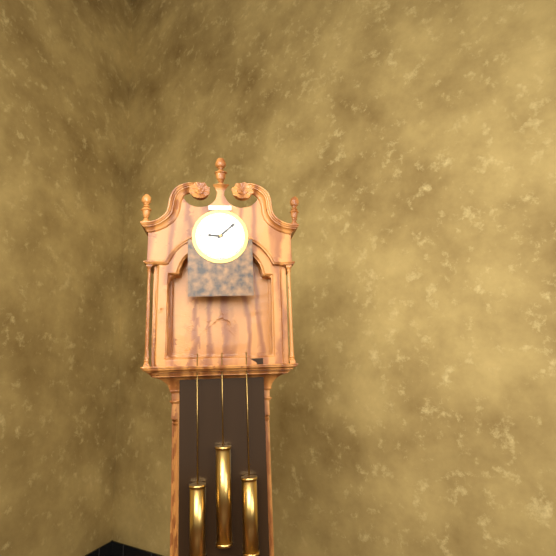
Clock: 9,08
